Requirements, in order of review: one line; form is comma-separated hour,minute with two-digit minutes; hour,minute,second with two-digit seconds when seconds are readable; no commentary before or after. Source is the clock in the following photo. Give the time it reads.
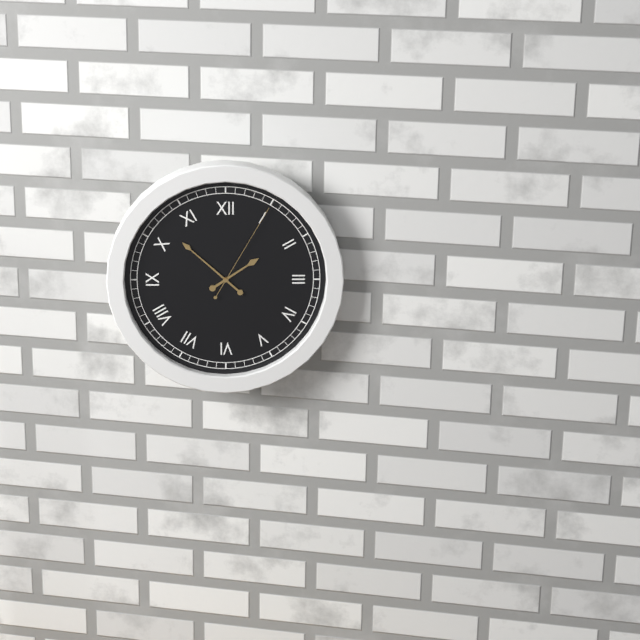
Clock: 1,52,05
